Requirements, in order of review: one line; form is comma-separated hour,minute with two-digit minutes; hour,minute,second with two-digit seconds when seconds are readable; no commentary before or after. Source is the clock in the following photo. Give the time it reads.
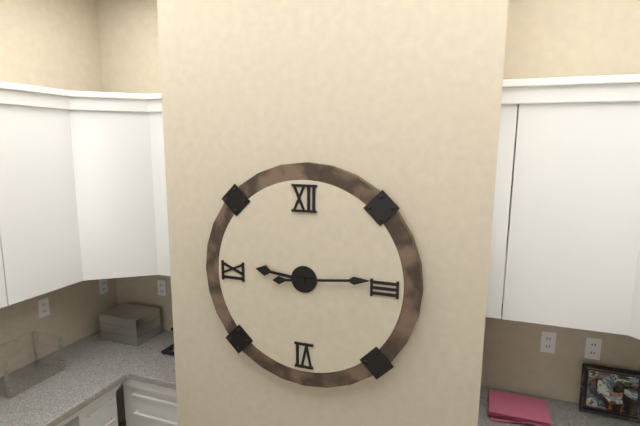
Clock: 9,14
